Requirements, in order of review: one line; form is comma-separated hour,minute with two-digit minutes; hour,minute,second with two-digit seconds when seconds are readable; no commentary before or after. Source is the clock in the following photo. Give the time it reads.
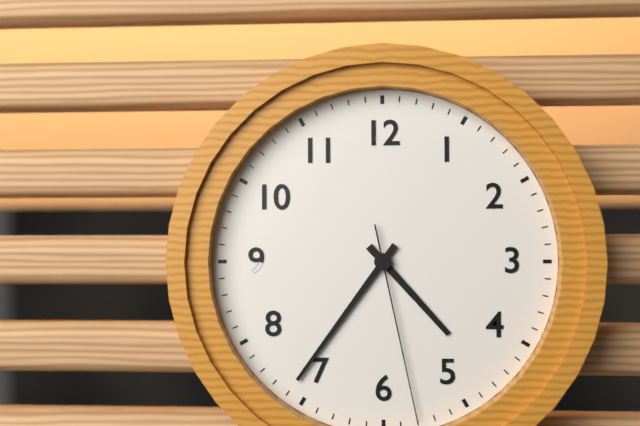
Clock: 4,36,28
